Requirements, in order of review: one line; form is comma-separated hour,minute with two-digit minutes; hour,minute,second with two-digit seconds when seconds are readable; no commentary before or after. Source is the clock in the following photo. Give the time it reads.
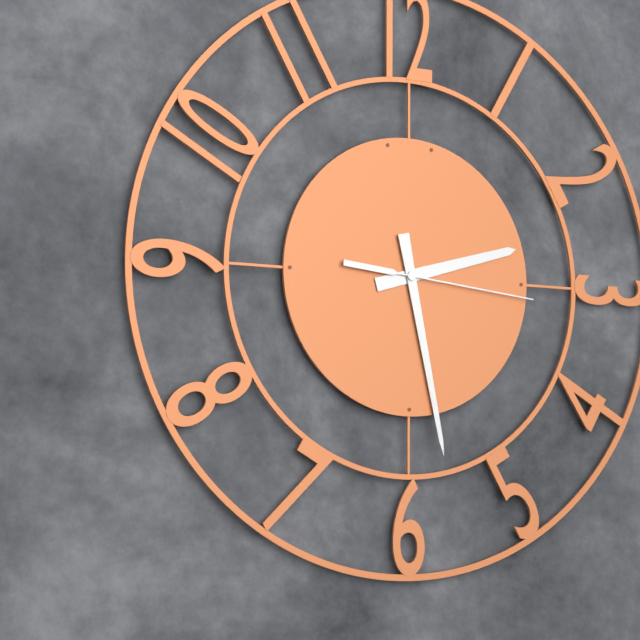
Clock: 2,28,16
